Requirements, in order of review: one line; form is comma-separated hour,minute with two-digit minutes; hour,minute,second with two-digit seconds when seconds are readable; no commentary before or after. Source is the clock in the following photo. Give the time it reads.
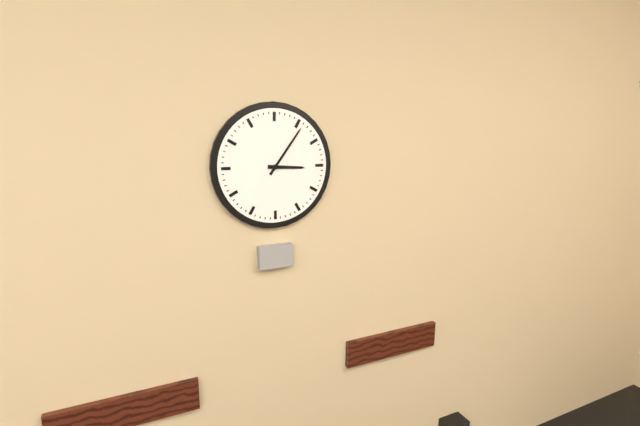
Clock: 3,06
